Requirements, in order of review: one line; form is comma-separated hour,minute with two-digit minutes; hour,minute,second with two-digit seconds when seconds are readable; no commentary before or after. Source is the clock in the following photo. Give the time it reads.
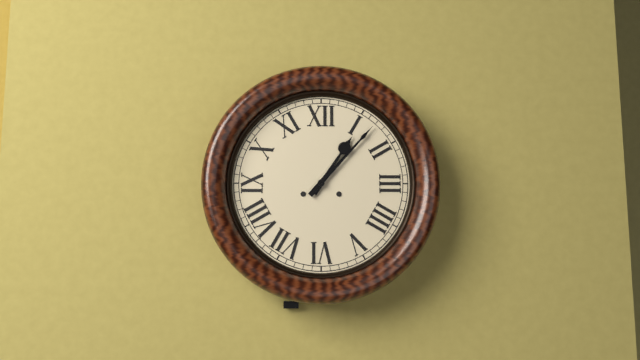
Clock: 1,07
